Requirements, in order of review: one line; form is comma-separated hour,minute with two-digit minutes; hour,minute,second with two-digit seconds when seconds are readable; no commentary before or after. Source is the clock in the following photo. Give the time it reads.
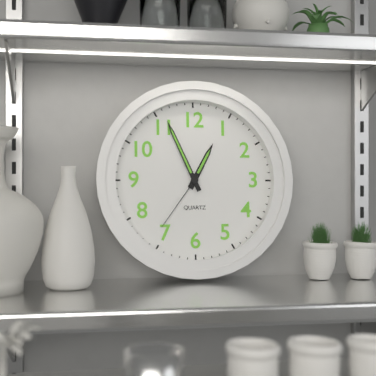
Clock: 12,56,36
